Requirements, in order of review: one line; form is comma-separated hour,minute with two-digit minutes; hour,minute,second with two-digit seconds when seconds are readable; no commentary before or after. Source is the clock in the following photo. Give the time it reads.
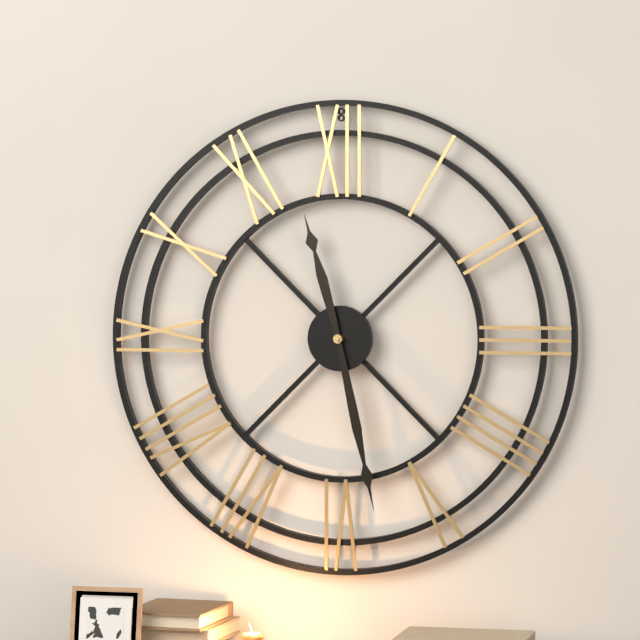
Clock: 11,28
